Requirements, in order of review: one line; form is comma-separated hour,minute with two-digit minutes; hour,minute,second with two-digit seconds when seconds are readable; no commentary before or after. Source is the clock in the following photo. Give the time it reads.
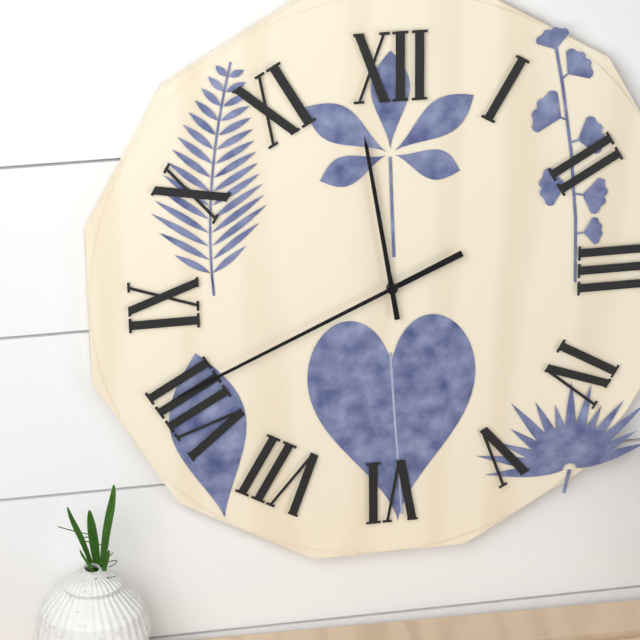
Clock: 11,41
